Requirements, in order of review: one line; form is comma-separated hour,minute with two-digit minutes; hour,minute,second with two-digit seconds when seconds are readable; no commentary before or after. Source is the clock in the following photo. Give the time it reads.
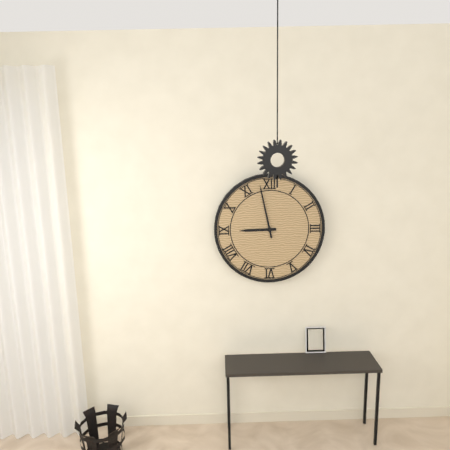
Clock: 8,58
